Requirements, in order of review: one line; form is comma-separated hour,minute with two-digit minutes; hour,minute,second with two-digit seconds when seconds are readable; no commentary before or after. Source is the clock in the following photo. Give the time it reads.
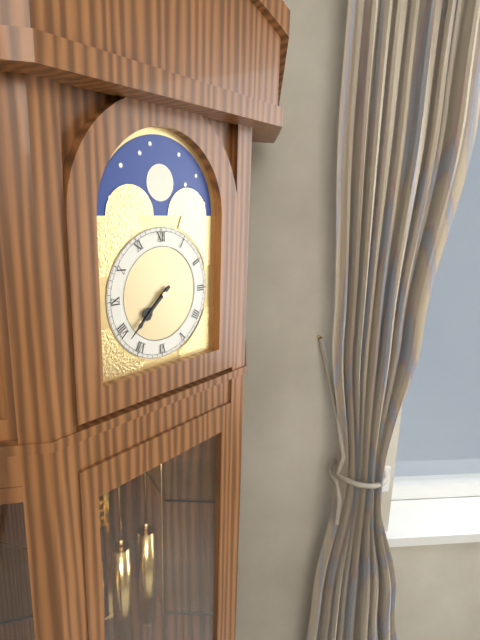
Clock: 7,38
